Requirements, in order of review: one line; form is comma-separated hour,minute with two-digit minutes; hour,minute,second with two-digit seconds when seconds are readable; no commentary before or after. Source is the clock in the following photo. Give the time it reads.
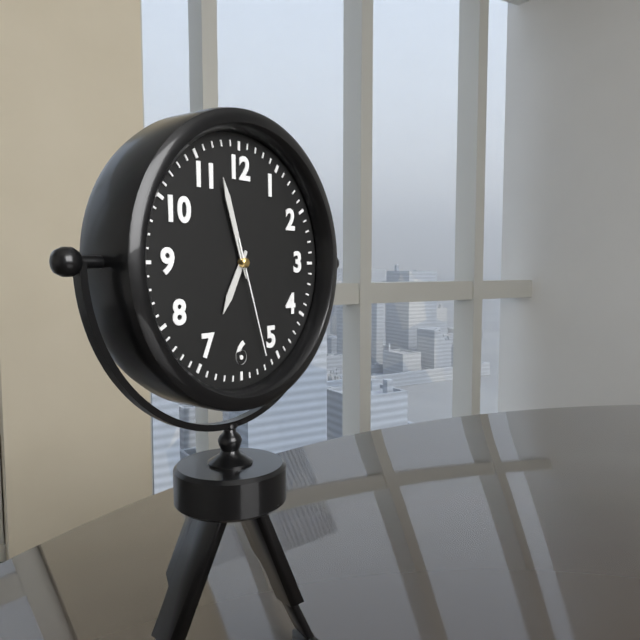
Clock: 6,57,27
